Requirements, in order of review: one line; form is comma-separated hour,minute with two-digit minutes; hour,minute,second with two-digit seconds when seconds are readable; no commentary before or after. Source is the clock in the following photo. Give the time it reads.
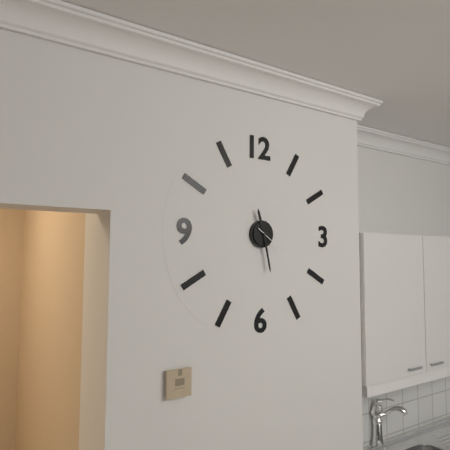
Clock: 11,28
